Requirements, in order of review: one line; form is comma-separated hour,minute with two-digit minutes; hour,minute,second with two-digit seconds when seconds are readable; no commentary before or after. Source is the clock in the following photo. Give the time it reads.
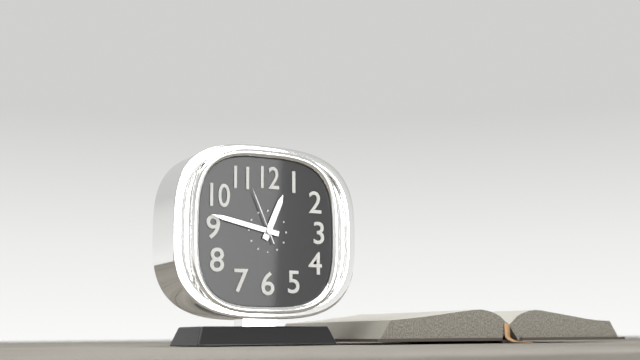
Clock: 12,47,56
